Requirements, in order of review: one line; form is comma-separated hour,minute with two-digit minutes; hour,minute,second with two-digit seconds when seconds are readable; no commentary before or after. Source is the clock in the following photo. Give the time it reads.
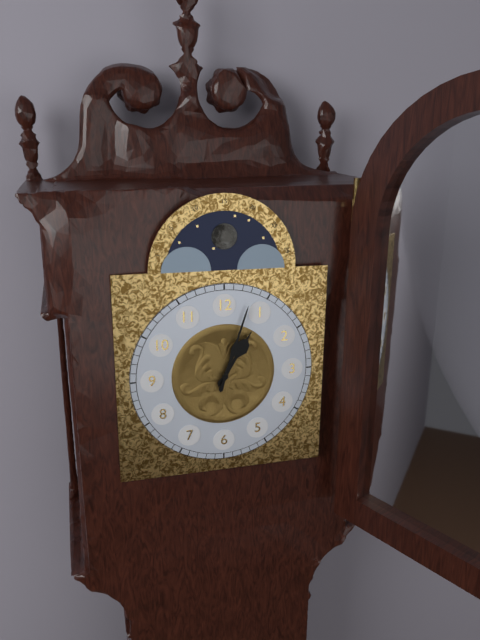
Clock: 1,03
